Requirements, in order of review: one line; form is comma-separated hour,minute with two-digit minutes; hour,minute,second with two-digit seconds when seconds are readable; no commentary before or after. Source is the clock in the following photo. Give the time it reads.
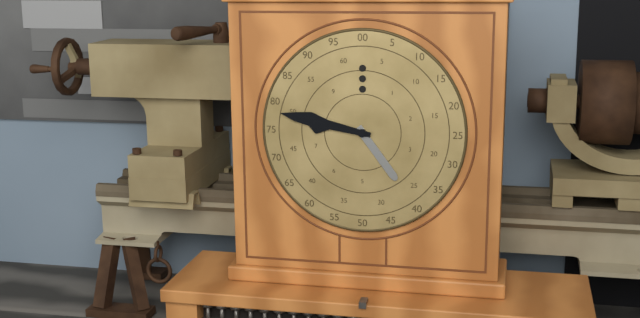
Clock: 4,47
